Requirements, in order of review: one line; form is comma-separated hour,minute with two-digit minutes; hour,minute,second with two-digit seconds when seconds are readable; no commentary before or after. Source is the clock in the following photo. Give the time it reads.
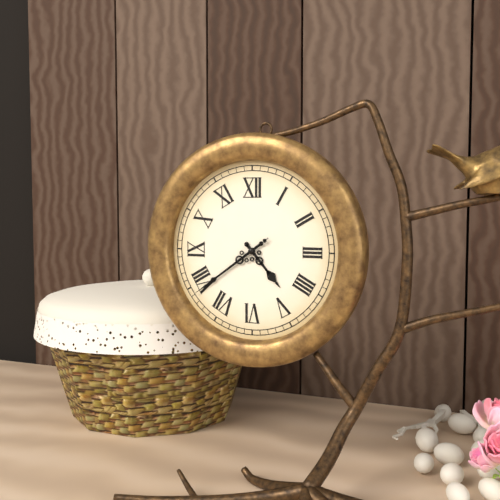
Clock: 4,39,39
